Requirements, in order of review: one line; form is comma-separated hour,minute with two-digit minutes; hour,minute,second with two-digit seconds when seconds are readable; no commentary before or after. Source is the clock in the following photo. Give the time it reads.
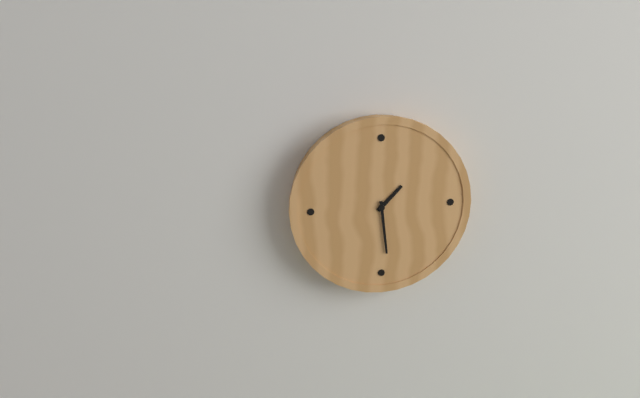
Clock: 1,29
